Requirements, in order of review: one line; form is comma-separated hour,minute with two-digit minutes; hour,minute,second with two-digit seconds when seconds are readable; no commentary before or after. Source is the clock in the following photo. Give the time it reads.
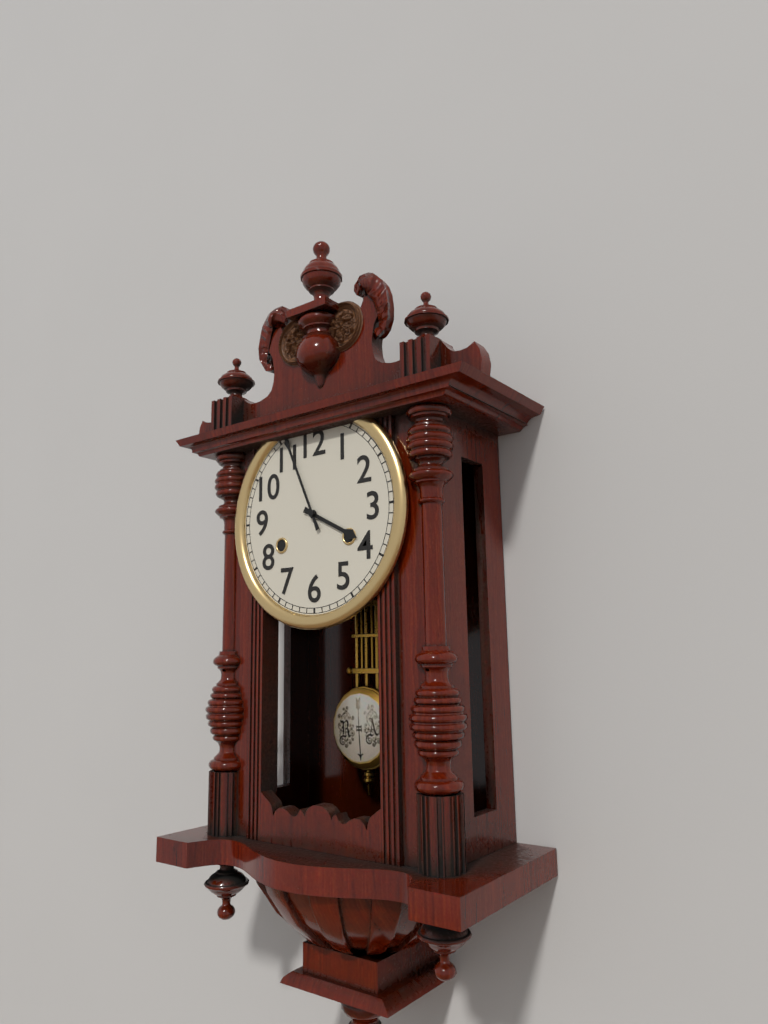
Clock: 3,56
